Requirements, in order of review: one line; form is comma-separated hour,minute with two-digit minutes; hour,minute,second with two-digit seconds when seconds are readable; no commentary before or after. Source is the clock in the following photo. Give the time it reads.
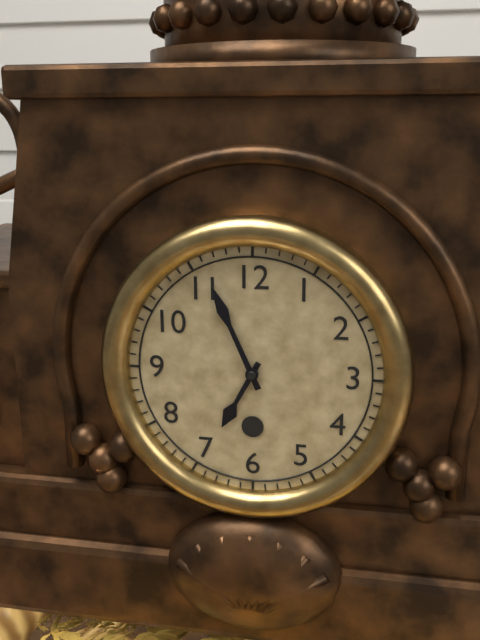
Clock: 6,56
